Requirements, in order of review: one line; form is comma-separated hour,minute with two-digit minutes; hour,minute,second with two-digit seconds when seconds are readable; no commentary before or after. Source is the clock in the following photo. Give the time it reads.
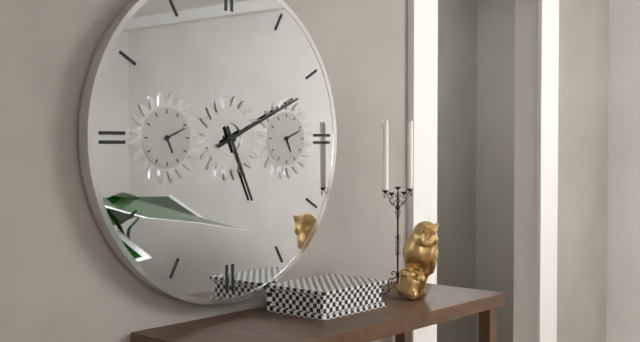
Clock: 5,11
